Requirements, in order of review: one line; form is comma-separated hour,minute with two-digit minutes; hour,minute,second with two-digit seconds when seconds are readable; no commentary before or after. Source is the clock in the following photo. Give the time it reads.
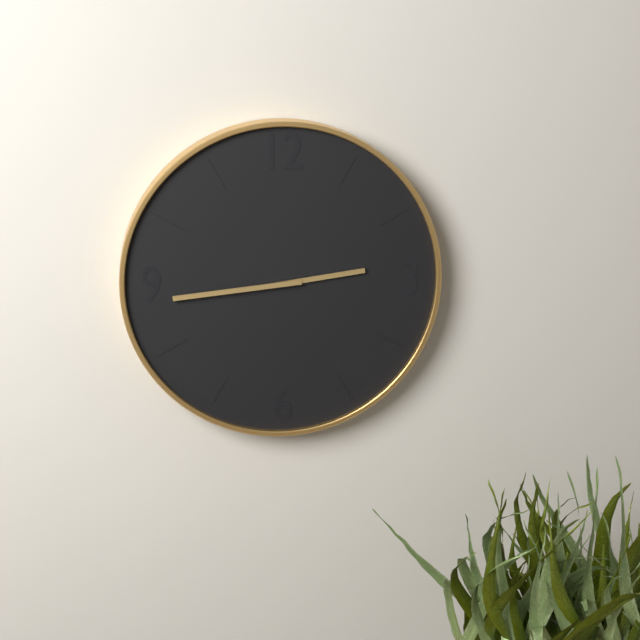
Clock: 2,44
